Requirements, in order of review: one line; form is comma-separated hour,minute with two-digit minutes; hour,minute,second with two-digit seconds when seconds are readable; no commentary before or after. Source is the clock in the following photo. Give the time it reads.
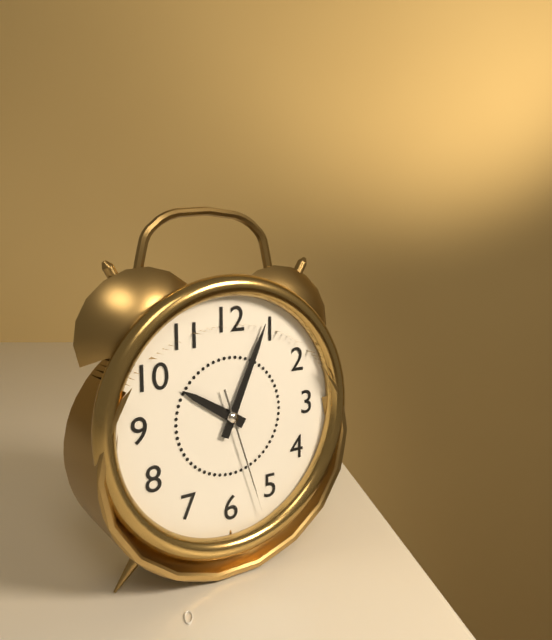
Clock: 10,04,27
